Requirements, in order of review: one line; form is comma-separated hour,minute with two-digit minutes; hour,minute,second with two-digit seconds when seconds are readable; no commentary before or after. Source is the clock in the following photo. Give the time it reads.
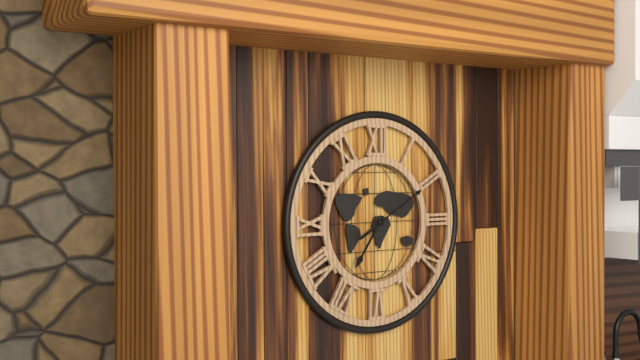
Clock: 7,10
